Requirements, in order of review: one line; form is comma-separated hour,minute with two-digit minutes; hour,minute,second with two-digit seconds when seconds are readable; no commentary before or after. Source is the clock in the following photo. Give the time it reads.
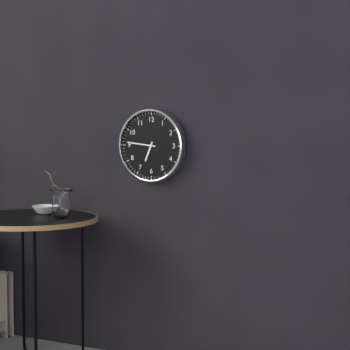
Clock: 6,46
